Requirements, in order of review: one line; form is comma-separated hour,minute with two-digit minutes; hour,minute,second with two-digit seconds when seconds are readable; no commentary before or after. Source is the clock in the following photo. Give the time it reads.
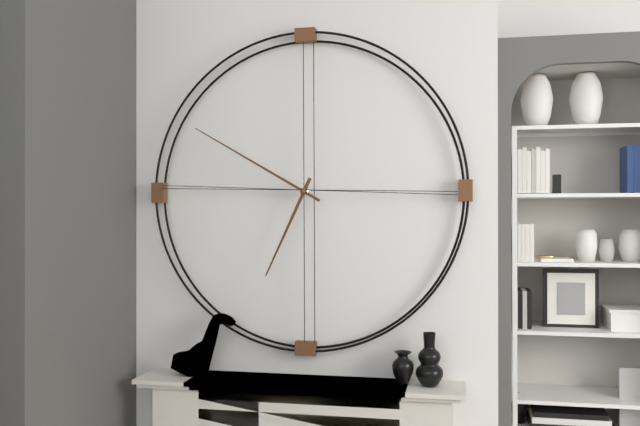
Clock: 6,50
